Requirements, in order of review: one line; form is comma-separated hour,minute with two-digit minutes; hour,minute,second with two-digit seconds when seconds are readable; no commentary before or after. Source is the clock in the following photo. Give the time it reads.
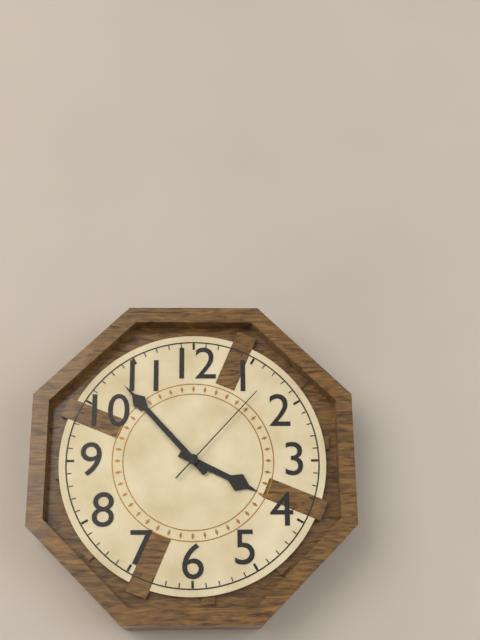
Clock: 3,53,07
